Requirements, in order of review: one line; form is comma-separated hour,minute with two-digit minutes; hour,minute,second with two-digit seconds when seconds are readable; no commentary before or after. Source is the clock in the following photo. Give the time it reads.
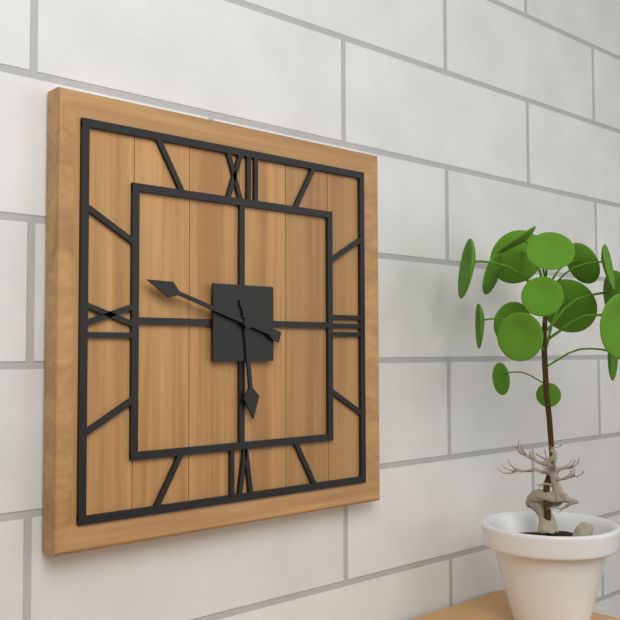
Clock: 5,48
